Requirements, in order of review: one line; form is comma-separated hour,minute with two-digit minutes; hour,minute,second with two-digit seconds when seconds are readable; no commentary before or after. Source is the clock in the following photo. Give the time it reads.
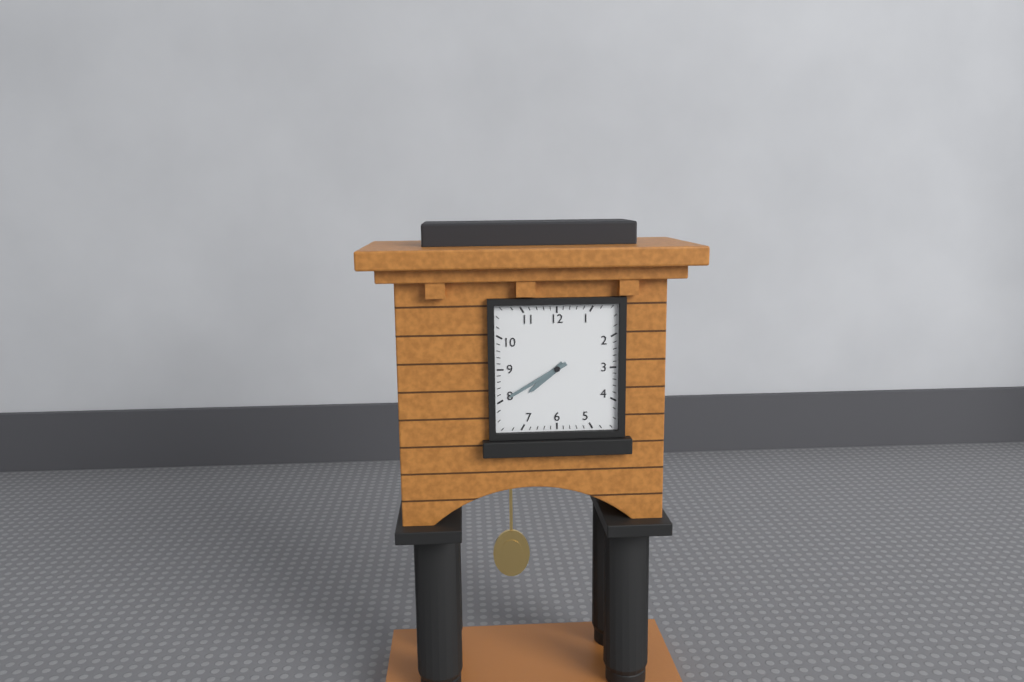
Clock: 7,40
